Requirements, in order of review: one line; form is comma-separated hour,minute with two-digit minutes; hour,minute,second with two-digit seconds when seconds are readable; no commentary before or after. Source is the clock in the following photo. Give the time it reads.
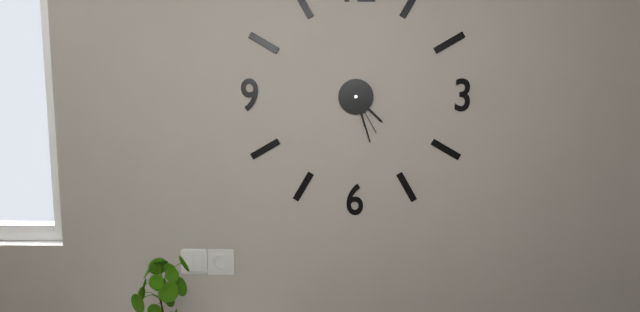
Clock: 4,27,25
